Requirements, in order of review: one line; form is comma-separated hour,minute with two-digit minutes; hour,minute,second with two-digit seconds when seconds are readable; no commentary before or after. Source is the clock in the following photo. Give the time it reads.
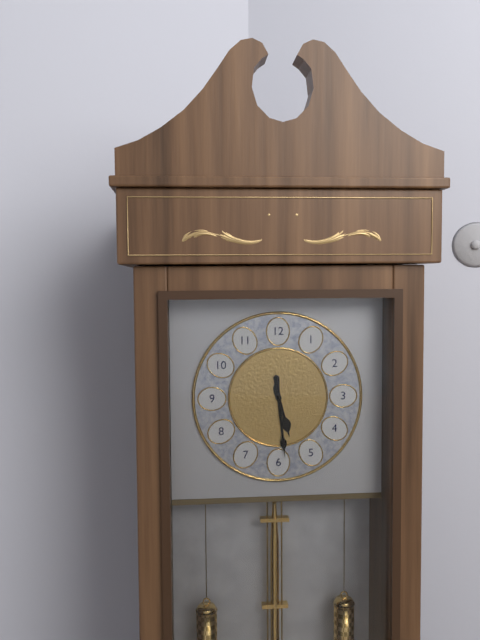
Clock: 5,29
